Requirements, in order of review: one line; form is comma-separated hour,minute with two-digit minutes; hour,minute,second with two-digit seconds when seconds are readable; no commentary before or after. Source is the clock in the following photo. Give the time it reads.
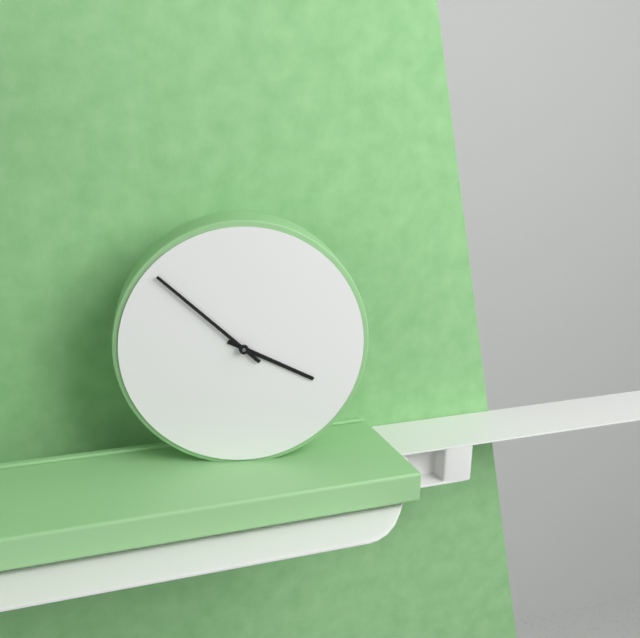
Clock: 3,52
